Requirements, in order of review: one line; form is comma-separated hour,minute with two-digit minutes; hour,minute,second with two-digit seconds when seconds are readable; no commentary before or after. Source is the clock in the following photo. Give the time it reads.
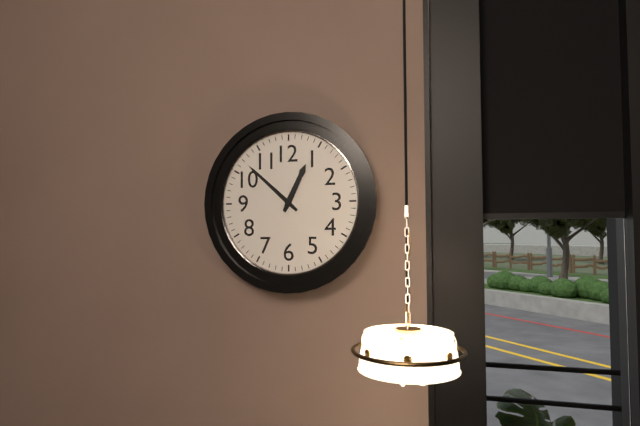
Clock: 12,52
